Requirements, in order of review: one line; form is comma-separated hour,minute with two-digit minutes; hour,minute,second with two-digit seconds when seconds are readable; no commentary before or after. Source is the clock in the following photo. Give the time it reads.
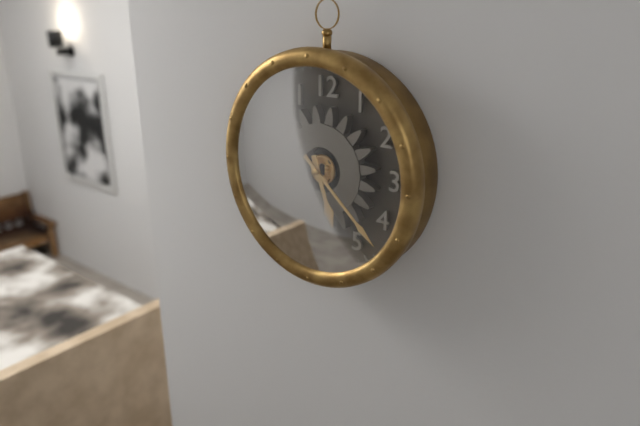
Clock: 5,22
